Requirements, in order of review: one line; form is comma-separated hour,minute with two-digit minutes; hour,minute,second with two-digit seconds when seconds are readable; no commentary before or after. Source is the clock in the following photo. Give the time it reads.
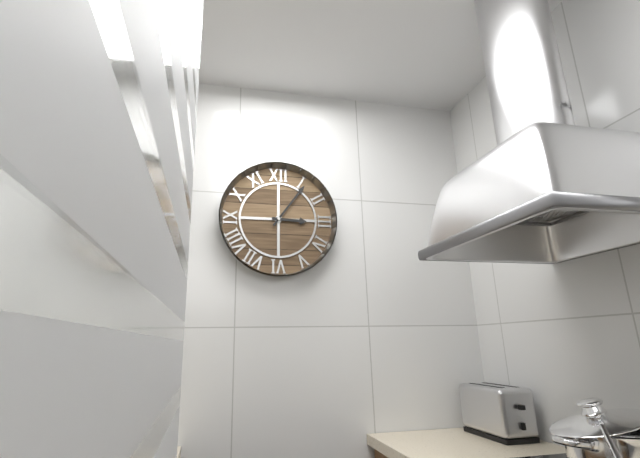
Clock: 3,06
